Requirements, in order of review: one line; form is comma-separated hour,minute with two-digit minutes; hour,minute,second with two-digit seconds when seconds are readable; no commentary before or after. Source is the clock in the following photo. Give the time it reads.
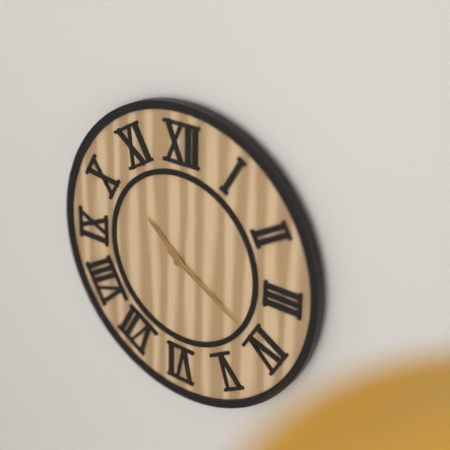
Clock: 10,20
